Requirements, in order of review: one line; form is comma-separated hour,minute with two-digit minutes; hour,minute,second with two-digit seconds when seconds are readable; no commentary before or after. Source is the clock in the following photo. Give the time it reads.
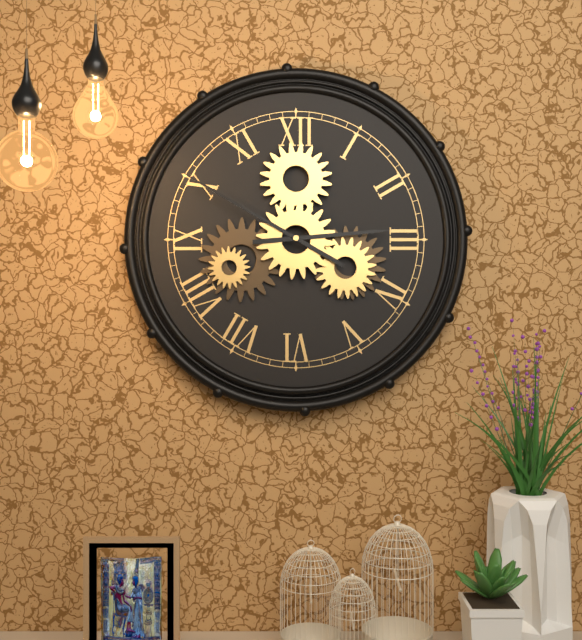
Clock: 2,50
